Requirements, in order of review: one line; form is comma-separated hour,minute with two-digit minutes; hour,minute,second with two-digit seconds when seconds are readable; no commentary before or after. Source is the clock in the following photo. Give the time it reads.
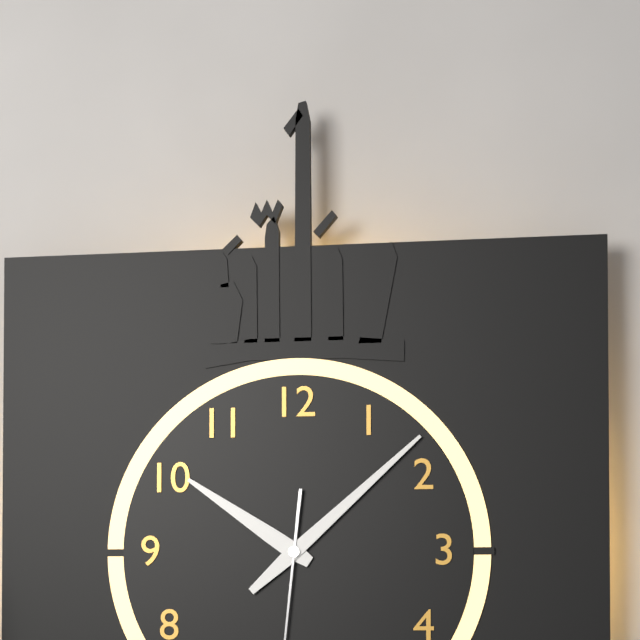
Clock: 10,08
